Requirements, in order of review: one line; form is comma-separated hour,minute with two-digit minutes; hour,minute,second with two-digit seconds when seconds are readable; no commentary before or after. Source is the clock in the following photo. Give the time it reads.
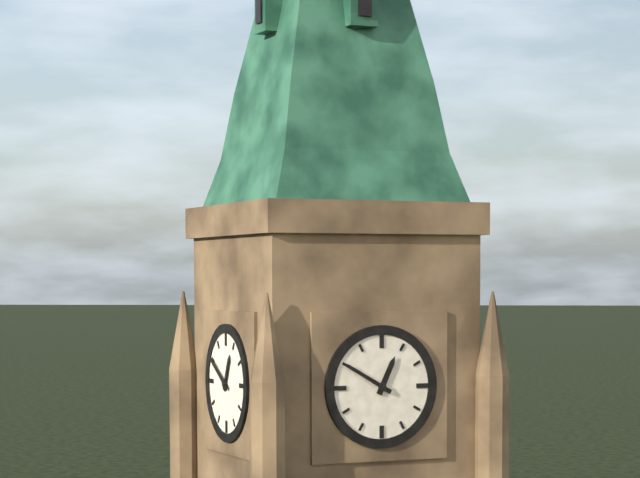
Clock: 12,50
